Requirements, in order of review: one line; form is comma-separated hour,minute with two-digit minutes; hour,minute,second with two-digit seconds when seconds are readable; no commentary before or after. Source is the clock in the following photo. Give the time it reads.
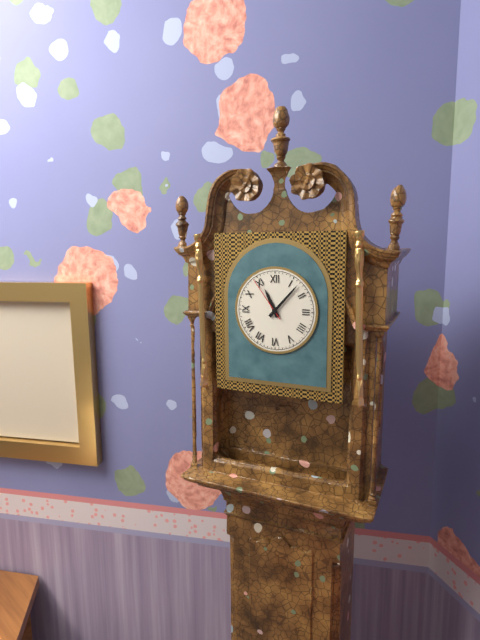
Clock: 11,07
